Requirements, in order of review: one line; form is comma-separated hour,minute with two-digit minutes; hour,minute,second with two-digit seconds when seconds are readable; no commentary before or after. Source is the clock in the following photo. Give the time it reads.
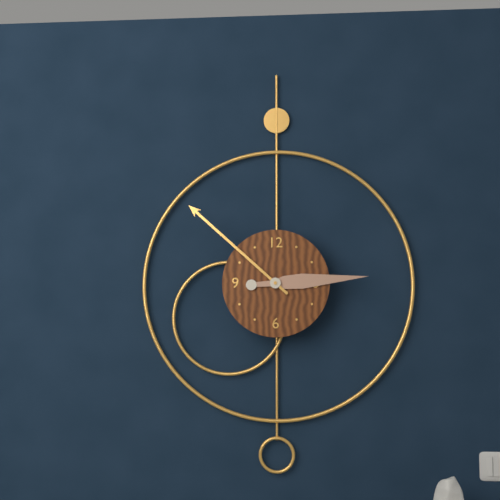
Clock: 2,52
